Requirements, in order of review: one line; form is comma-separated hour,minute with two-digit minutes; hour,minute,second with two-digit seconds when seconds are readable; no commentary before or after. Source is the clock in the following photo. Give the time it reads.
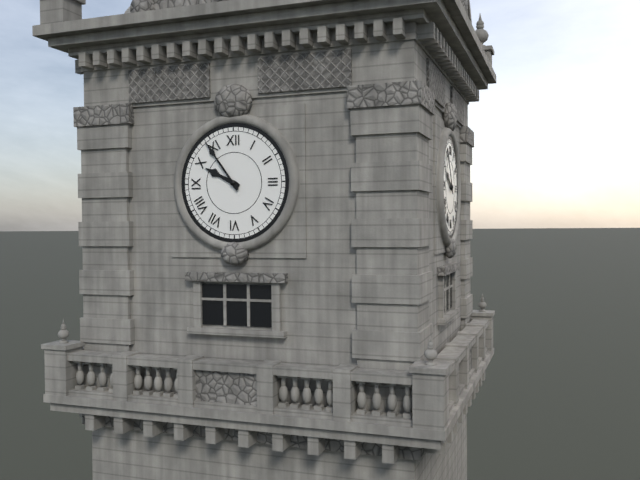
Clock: 9,54
